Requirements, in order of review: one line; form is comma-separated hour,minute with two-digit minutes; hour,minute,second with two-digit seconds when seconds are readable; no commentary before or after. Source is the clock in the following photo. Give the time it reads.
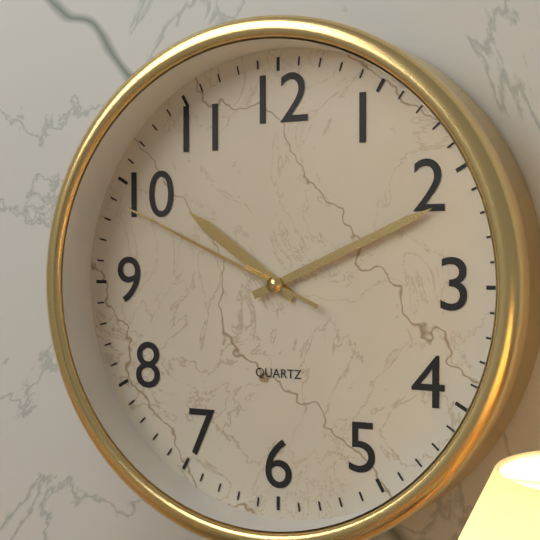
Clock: 10,11,49
